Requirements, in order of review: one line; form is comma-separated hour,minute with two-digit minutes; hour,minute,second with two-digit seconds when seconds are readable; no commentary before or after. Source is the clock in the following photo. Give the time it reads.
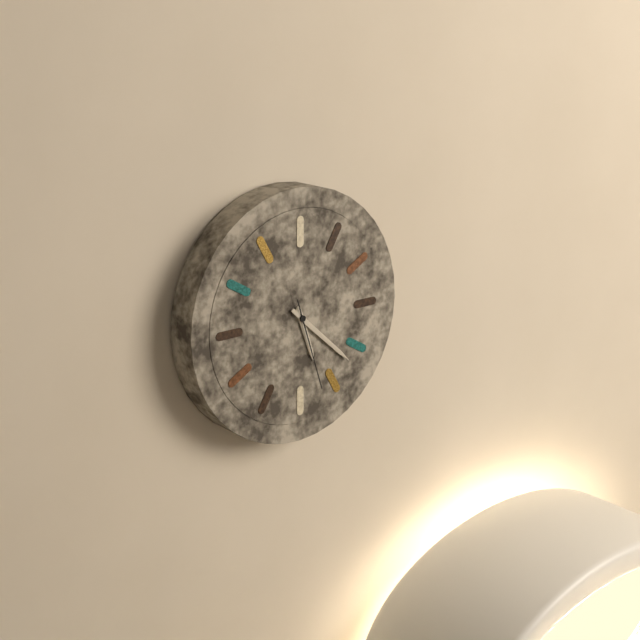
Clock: 5,22,27
